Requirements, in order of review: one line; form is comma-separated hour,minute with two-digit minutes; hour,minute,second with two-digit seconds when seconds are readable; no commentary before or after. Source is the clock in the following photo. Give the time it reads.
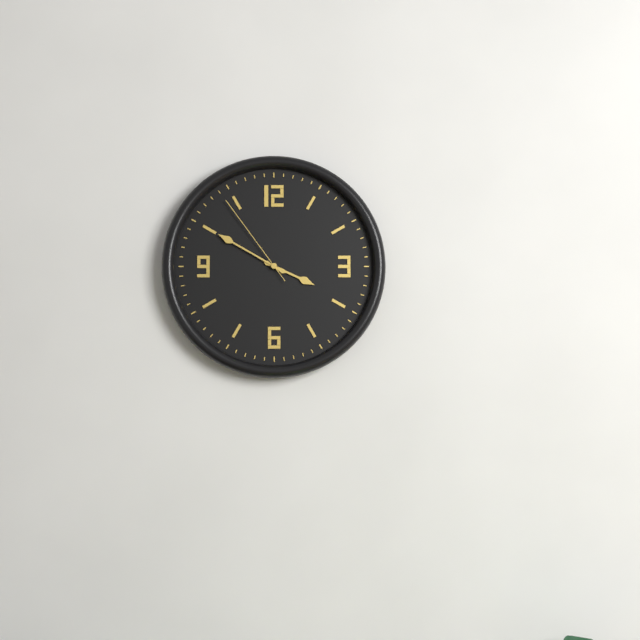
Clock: 3,50,54
